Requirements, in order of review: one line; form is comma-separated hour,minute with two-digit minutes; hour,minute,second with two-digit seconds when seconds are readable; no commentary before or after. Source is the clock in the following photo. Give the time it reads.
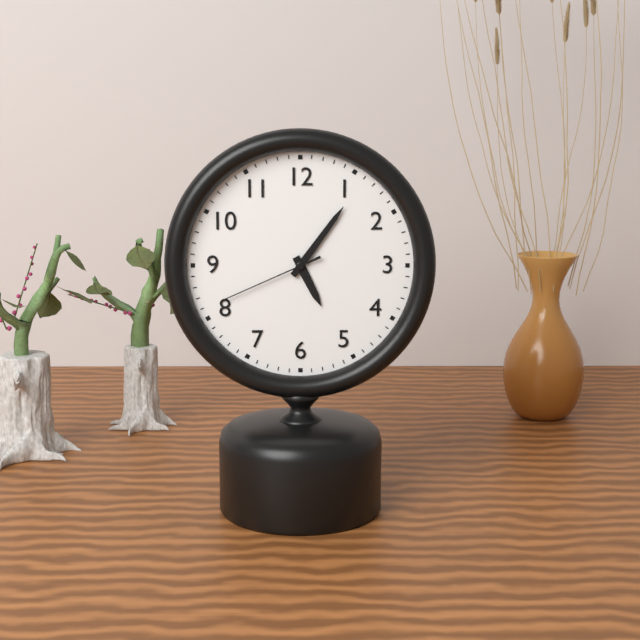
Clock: 5,06,41
